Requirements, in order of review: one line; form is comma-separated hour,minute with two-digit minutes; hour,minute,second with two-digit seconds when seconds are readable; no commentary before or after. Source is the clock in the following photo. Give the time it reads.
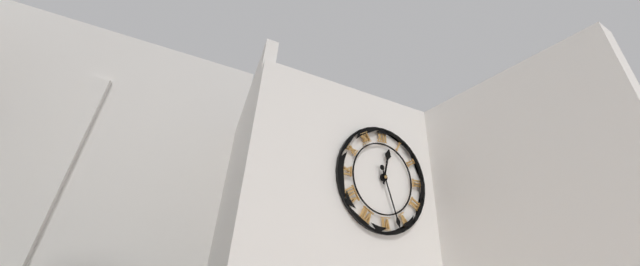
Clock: 12,27
